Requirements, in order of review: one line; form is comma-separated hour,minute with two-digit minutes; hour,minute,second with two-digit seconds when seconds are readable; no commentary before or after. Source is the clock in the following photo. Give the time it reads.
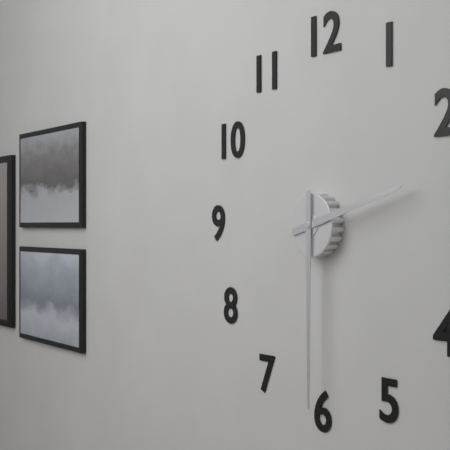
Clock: 2,30
